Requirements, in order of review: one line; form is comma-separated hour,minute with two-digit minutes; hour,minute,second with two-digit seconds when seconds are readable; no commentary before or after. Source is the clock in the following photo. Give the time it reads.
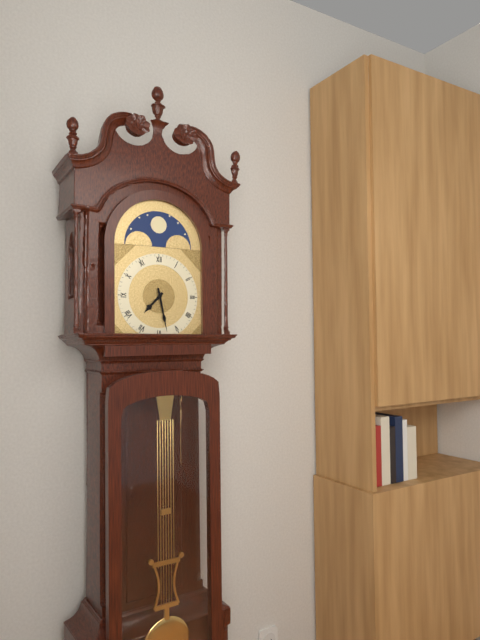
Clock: 7,28
